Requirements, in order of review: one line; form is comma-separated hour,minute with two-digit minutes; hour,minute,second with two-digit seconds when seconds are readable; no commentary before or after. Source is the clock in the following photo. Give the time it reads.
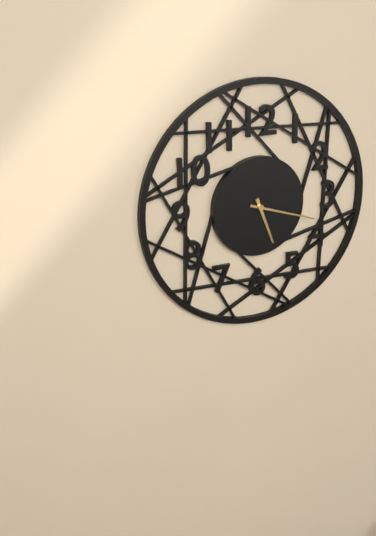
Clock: 5,18
